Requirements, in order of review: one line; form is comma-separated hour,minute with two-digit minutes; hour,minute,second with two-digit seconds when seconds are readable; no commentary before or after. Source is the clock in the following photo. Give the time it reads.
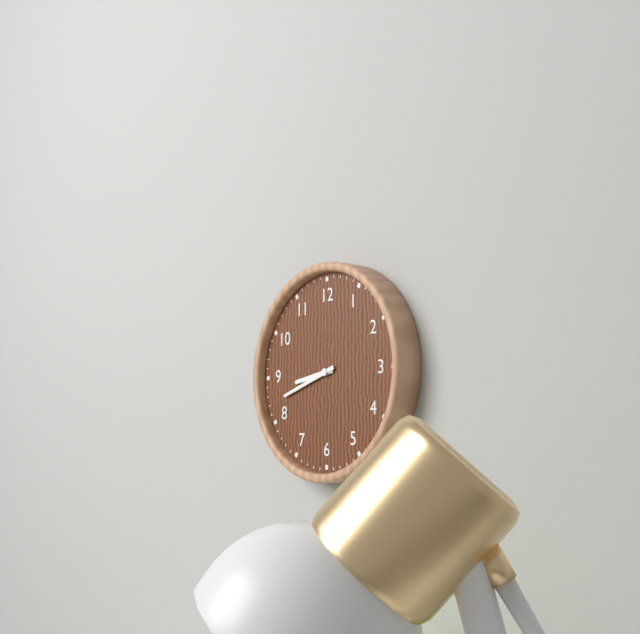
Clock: 8,42
